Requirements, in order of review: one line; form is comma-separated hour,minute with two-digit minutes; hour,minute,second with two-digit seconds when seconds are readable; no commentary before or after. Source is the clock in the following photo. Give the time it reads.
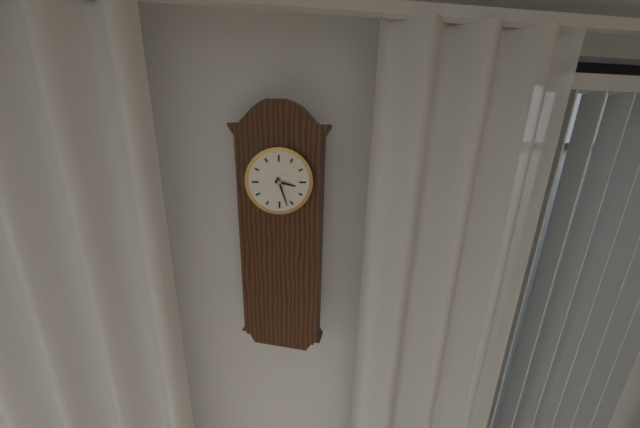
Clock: 3,27
